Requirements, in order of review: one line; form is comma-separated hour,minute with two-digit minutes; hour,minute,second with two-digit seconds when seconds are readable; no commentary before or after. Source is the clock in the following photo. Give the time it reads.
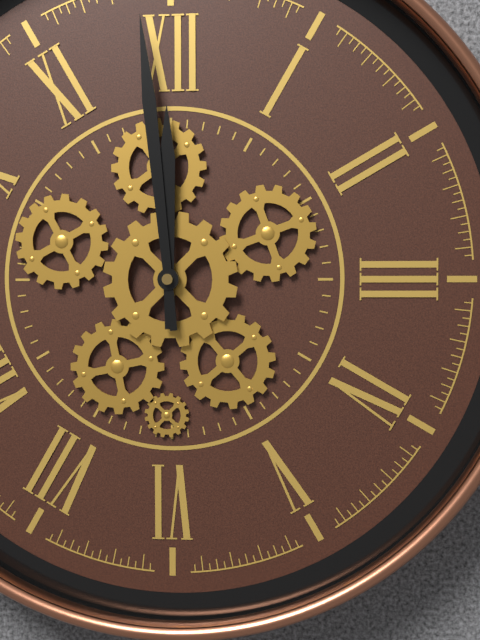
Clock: 11,59
